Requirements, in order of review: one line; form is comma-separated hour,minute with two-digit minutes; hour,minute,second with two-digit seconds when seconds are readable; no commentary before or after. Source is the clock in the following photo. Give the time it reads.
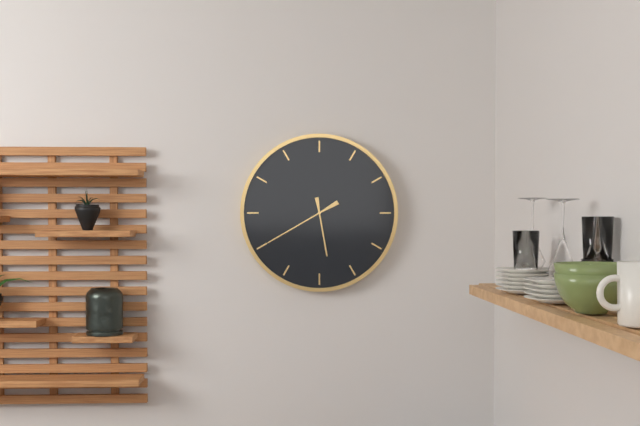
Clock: 5,40
